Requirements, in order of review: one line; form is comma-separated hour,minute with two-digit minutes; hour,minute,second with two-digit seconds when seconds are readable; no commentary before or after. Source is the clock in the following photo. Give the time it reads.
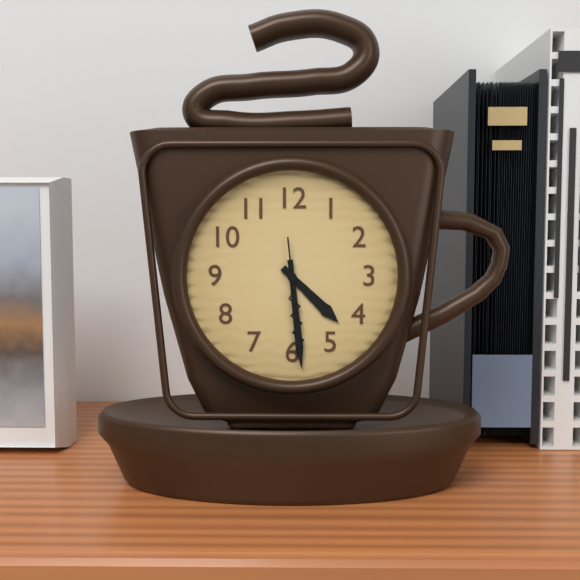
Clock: 4,29,29
